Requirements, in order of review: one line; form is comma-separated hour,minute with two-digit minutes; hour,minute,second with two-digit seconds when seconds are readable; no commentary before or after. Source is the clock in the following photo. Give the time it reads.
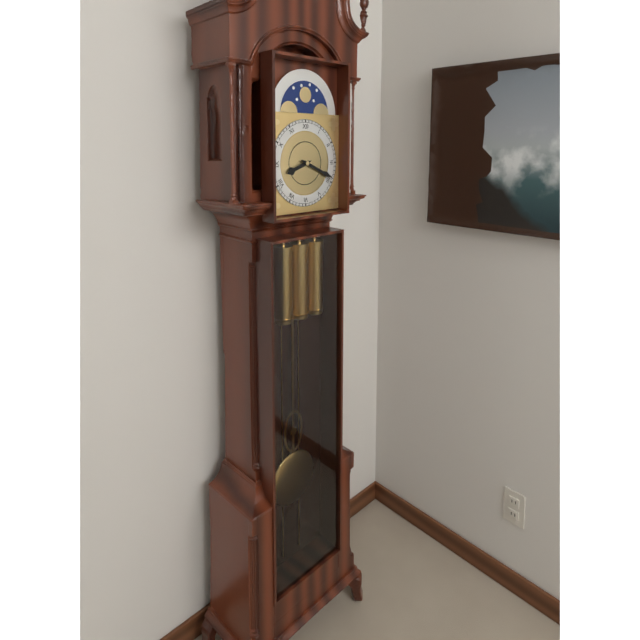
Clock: 8,19
